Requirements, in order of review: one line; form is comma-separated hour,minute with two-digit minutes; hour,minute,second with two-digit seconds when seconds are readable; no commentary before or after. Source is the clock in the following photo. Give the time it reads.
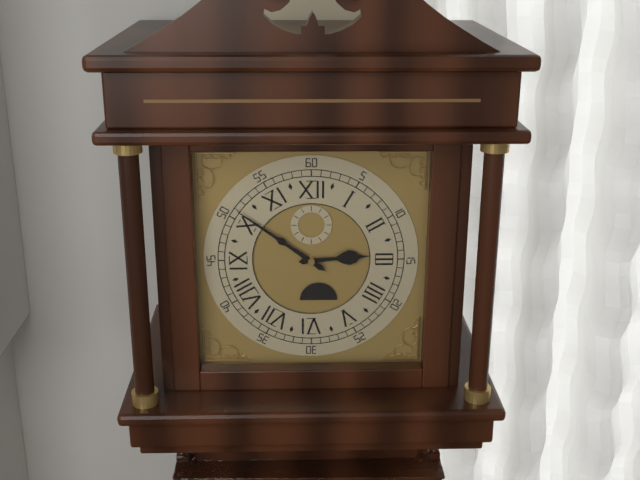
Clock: 2,51
